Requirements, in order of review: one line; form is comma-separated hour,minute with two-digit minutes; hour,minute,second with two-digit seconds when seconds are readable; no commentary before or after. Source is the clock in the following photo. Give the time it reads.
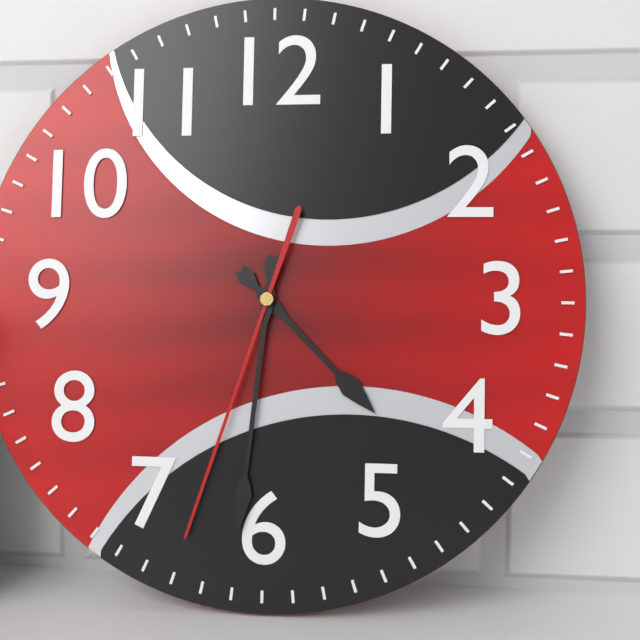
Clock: 4,31,33
